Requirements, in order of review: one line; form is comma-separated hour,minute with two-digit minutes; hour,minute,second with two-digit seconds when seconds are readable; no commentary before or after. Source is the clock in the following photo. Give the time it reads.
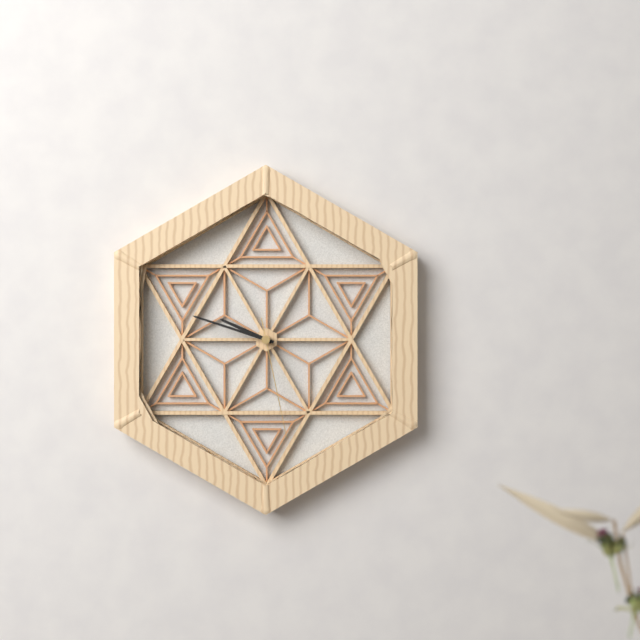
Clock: 9,48,28
